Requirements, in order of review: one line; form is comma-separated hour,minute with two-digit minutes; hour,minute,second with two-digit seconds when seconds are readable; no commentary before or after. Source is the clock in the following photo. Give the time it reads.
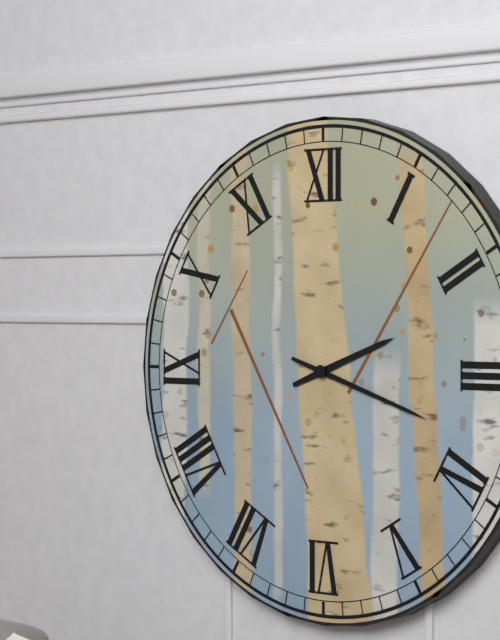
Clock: 2,18
